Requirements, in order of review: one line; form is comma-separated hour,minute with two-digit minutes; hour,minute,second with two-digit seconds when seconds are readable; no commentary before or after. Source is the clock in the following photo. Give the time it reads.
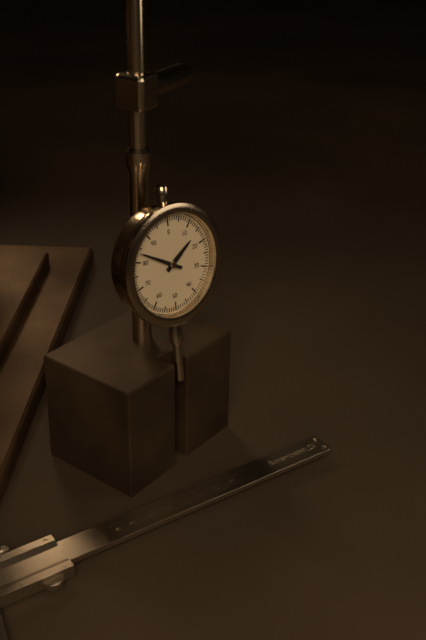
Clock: 1,50
